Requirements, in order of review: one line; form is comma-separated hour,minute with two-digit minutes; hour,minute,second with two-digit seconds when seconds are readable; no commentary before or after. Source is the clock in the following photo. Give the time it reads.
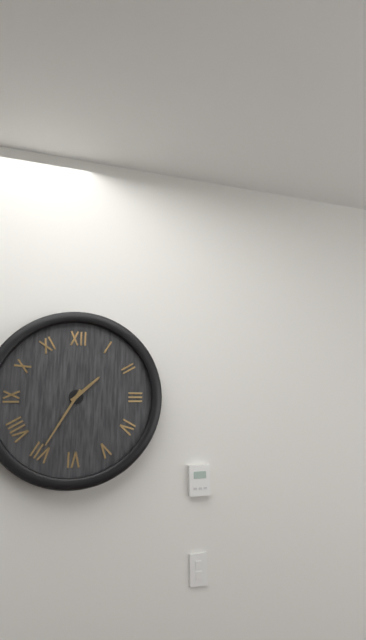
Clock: 1,35
